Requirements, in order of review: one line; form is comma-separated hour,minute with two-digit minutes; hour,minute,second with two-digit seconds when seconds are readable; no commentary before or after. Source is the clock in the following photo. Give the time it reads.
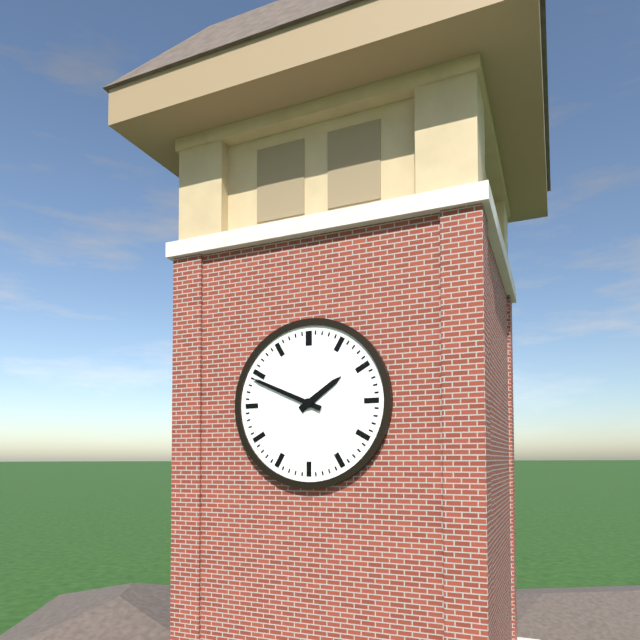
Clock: 1,49
